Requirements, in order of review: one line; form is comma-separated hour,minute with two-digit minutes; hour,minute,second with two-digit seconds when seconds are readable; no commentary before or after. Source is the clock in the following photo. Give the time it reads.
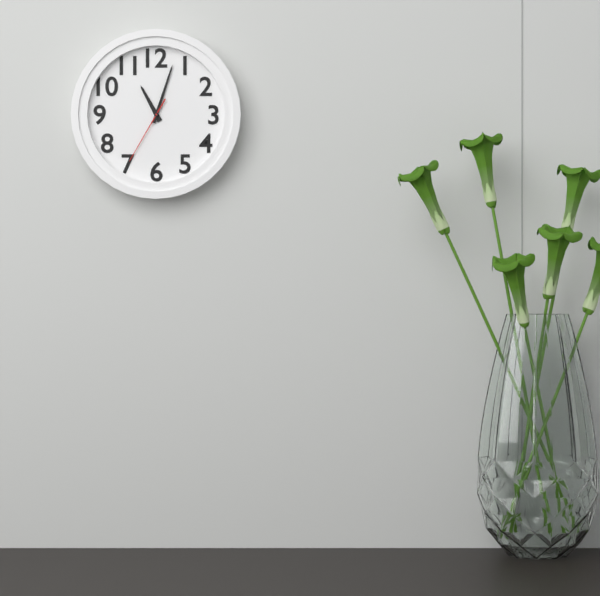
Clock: 11,03,35
